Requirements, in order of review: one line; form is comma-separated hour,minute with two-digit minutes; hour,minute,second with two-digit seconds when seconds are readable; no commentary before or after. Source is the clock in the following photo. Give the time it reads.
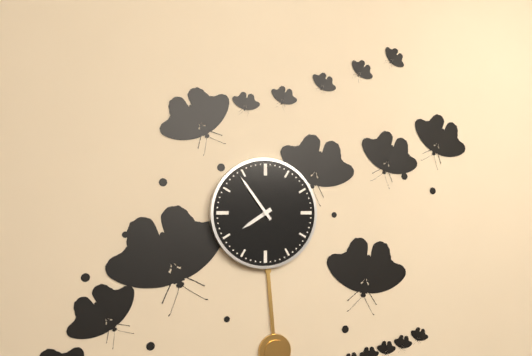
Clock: 7,54
